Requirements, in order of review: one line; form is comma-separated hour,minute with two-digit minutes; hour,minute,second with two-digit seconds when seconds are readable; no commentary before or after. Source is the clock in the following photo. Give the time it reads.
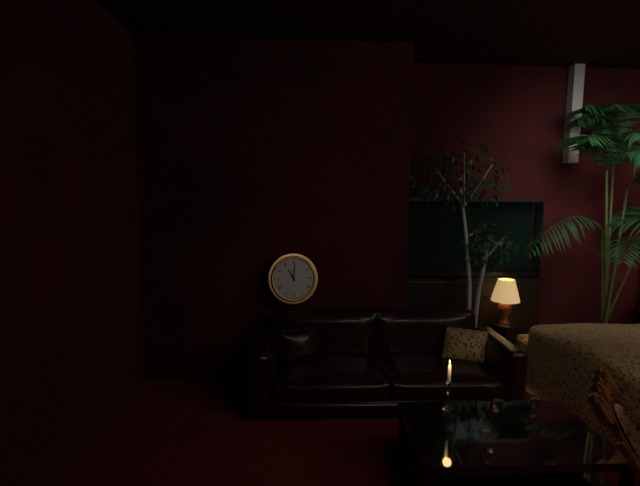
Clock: 11,01
